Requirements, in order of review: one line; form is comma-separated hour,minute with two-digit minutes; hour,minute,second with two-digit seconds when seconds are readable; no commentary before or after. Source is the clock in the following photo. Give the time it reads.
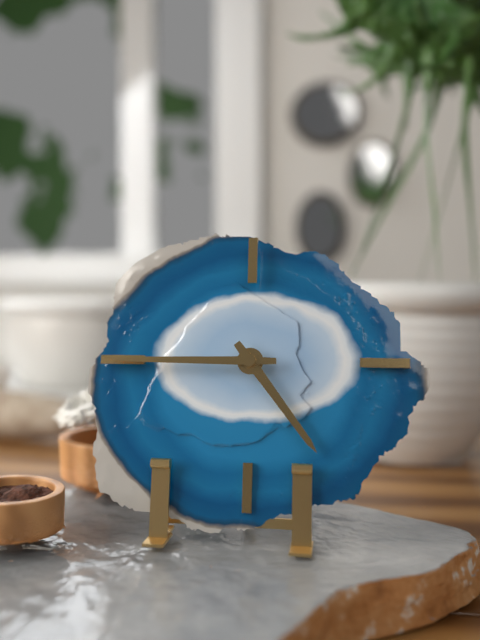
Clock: 4,45
